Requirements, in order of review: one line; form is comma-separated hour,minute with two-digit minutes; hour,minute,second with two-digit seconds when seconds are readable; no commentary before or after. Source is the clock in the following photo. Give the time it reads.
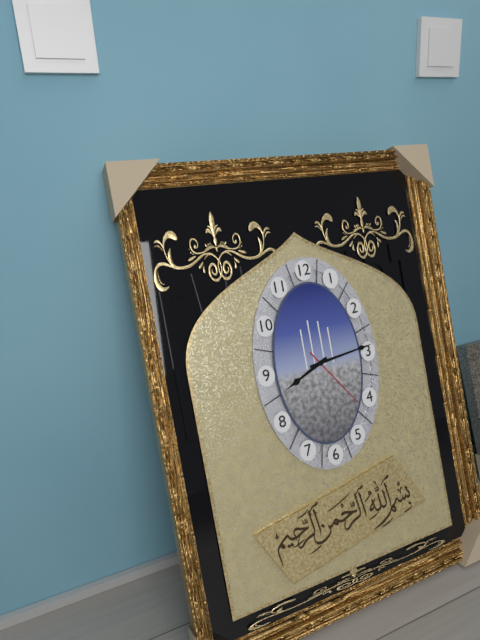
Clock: 8,14,24
